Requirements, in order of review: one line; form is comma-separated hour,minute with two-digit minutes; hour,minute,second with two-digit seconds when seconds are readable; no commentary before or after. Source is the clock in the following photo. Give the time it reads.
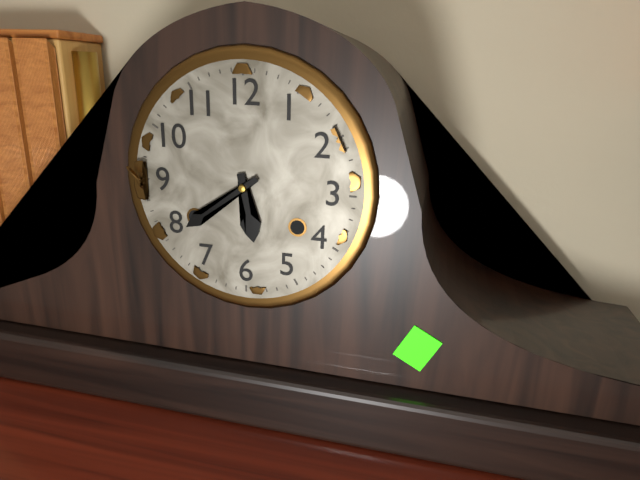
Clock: 5,39
